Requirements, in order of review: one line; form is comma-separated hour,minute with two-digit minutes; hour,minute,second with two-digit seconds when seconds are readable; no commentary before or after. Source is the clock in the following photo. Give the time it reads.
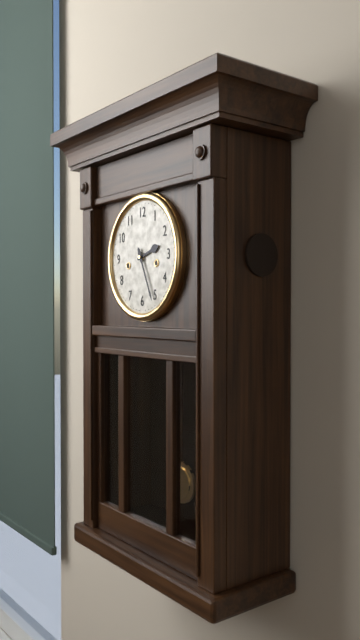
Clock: 2,26
